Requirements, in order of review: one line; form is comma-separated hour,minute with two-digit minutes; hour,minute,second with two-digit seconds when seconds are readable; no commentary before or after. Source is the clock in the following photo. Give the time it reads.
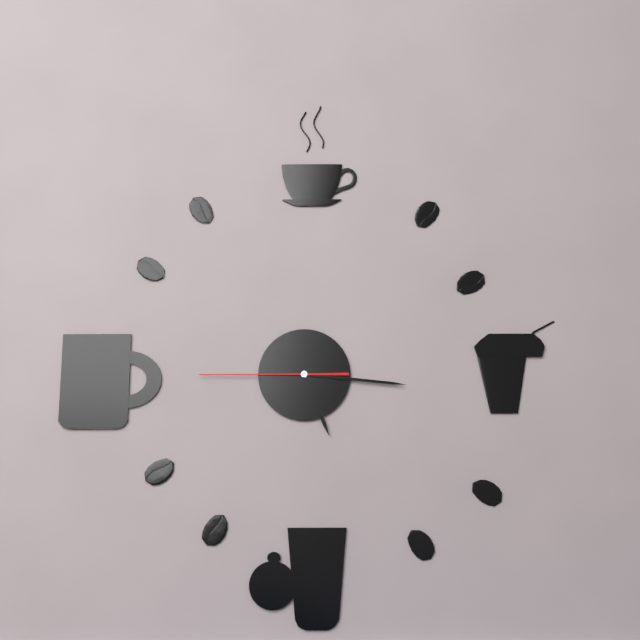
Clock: 5,16,45
